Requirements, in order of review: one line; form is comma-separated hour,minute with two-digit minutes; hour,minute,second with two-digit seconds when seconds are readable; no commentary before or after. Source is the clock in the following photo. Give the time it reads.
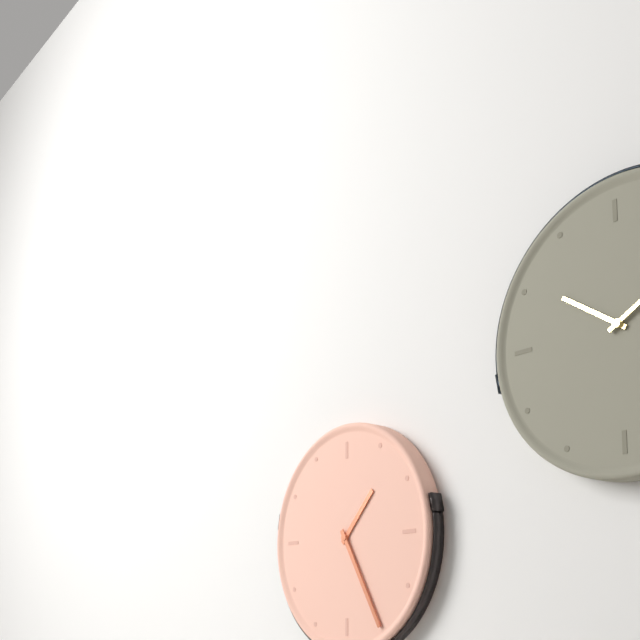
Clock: 1,25
